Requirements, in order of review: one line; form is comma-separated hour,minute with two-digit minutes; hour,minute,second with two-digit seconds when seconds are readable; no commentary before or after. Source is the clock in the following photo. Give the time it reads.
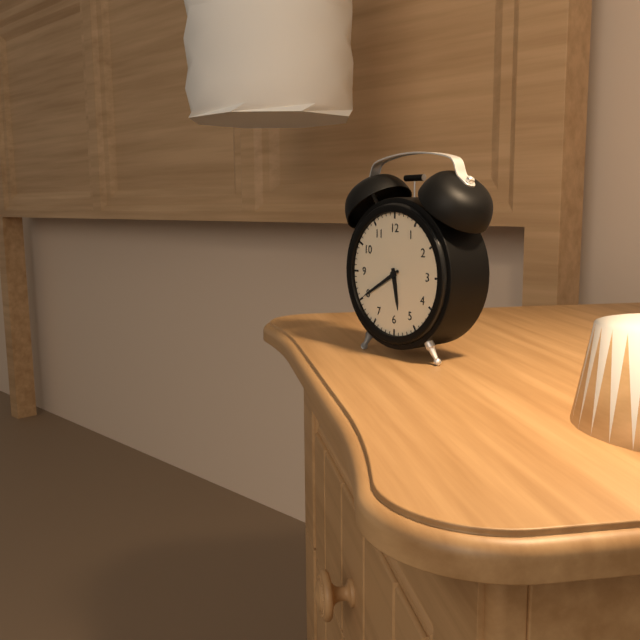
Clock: 5,40
